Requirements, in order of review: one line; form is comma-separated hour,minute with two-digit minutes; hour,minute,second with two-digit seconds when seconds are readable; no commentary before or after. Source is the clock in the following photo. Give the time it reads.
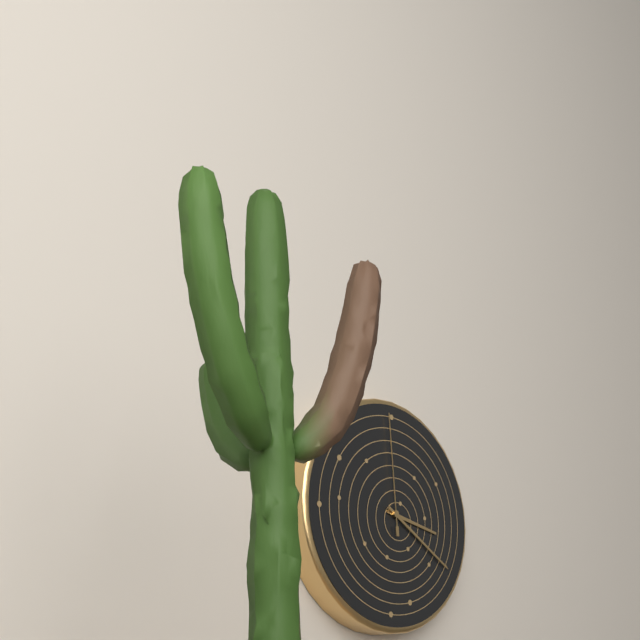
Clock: 3,20,59
